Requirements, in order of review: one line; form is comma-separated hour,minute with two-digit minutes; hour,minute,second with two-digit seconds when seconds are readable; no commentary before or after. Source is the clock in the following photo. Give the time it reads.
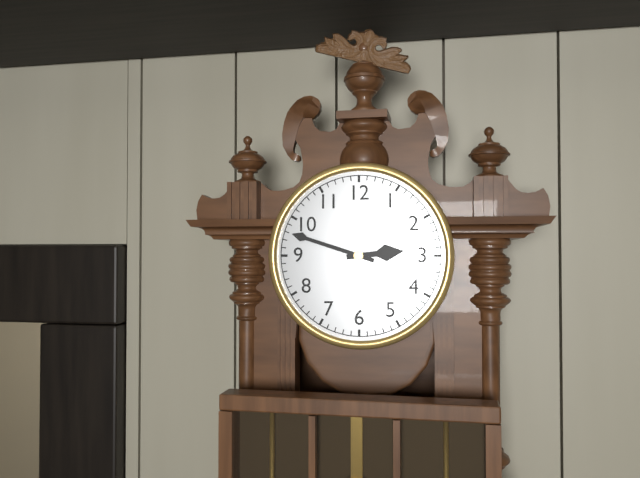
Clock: 2,48
